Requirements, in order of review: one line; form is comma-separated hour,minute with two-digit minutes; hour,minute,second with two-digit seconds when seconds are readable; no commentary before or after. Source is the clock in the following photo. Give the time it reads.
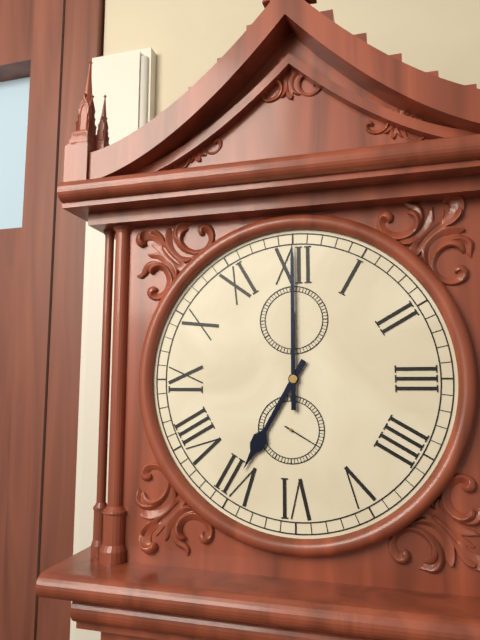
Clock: 7,00
